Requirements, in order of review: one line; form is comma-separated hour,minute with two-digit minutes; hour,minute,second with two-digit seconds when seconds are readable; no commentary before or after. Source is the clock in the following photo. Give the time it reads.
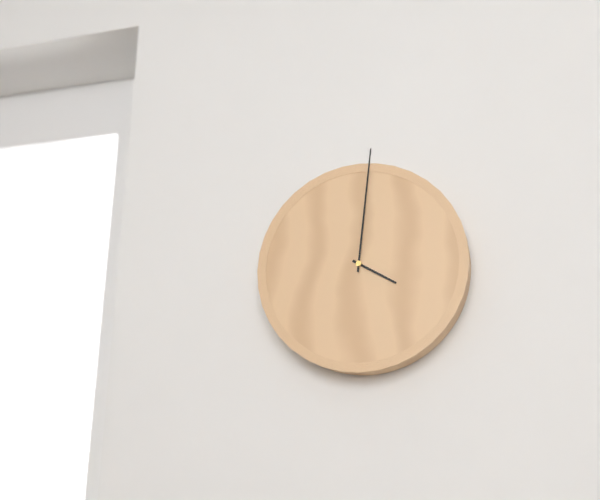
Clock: 4,01
